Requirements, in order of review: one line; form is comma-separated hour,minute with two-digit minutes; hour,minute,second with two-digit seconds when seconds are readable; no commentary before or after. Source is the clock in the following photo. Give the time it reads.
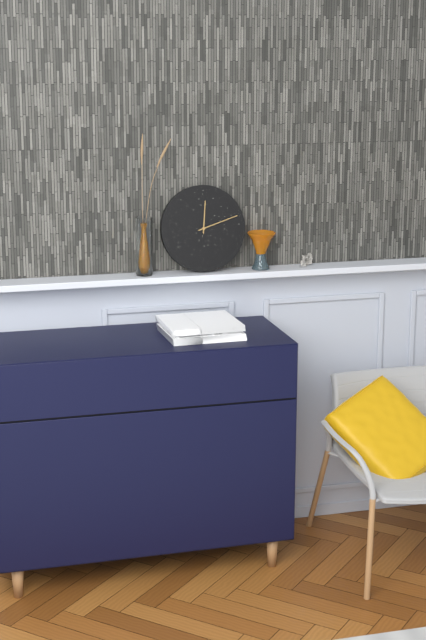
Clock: 12,12
